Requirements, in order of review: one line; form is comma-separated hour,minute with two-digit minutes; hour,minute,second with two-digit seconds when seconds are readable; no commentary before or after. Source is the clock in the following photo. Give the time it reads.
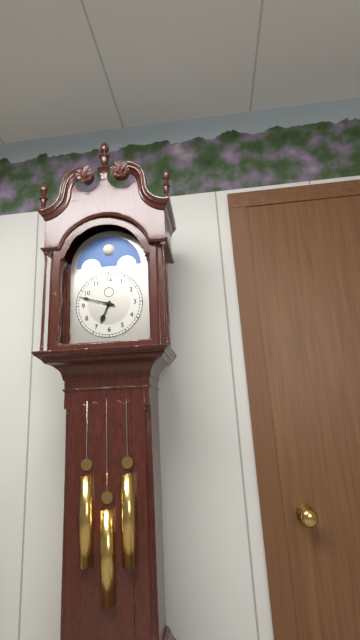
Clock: 6,48
